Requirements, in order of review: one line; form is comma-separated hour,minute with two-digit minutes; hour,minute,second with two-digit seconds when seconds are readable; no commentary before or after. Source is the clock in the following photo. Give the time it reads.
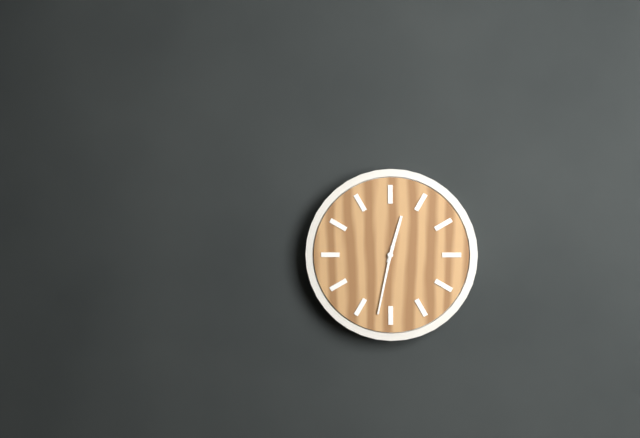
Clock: 12,32
